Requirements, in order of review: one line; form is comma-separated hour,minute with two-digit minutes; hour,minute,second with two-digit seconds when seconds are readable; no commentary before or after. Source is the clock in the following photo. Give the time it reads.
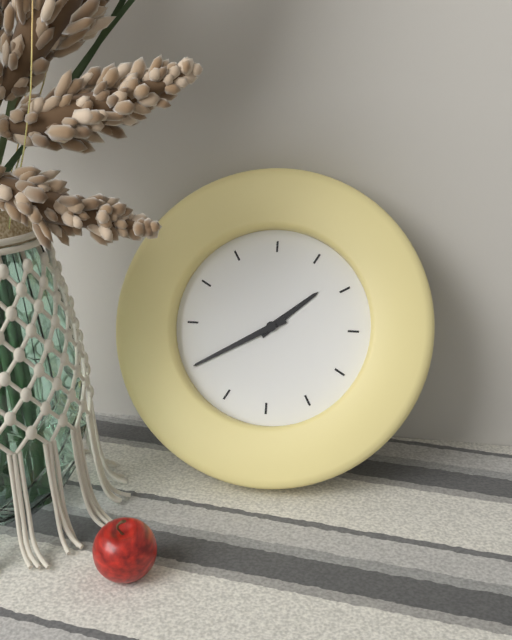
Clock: 1,40
